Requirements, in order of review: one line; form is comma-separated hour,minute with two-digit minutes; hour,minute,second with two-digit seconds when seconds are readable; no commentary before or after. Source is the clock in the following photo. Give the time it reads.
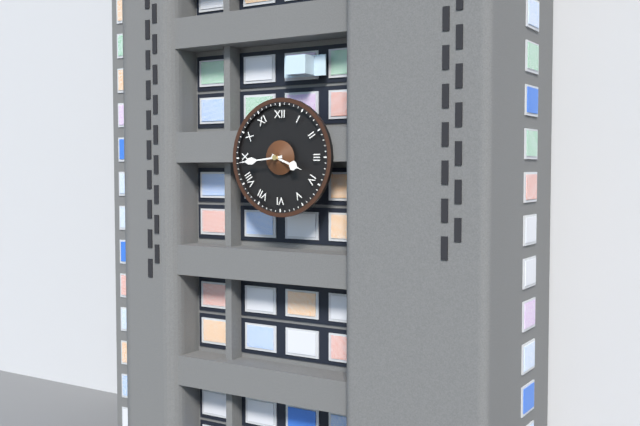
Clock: 3,44
